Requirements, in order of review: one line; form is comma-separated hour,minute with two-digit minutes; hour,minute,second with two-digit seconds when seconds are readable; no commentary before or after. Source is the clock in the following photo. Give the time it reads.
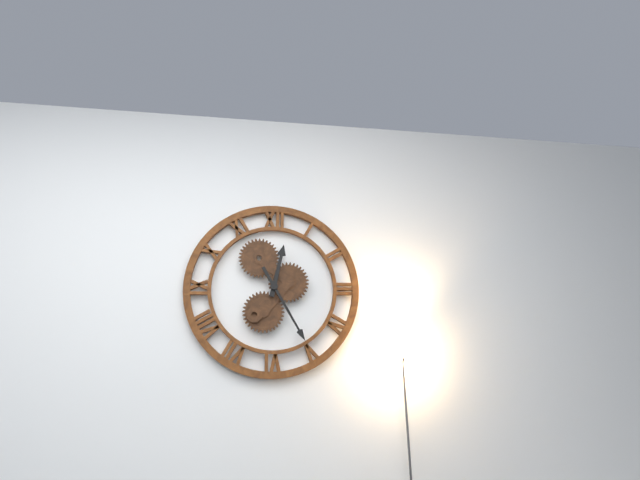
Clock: 12,25
